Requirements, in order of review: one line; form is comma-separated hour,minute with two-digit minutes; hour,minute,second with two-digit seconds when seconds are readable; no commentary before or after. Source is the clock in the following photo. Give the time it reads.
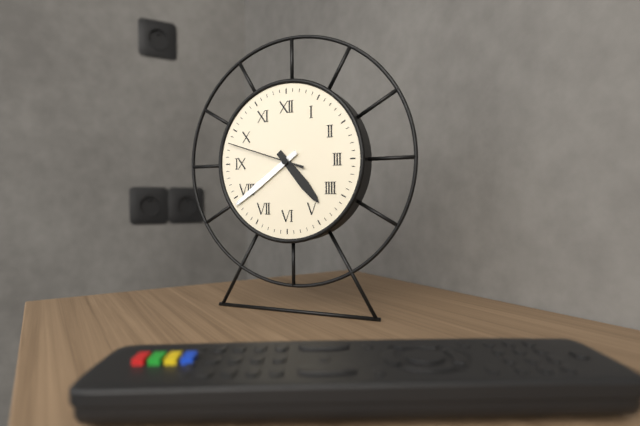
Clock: 4,39,48
